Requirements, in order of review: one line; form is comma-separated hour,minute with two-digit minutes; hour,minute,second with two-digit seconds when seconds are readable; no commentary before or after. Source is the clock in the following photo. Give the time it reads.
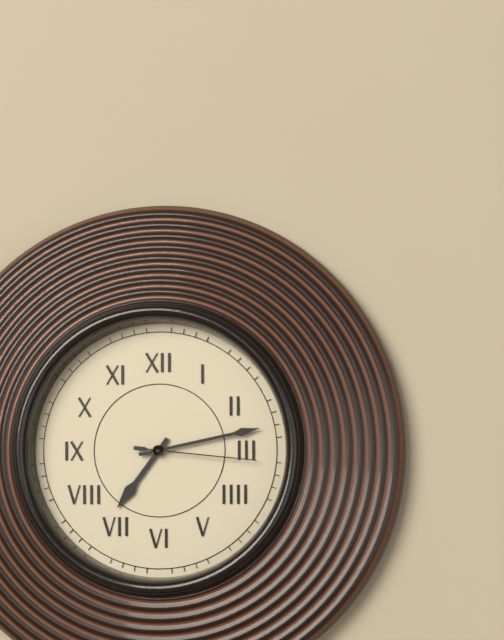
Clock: 7,13,16
